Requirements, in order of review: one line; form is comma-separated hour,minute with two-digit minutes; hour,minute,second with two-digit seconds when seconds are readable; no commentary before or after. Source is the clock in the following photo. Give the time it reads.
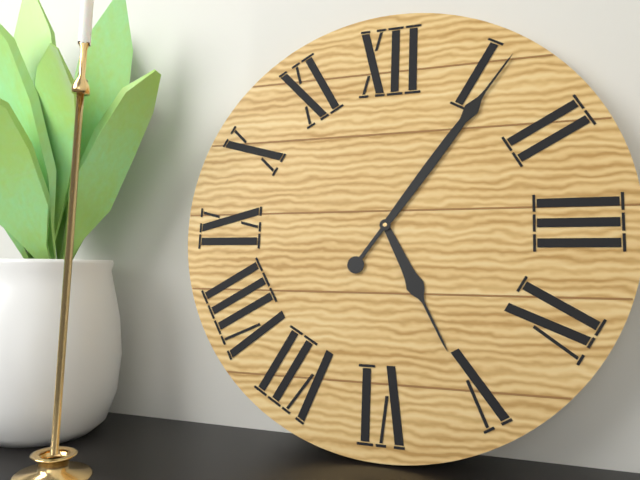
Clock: 5,06
